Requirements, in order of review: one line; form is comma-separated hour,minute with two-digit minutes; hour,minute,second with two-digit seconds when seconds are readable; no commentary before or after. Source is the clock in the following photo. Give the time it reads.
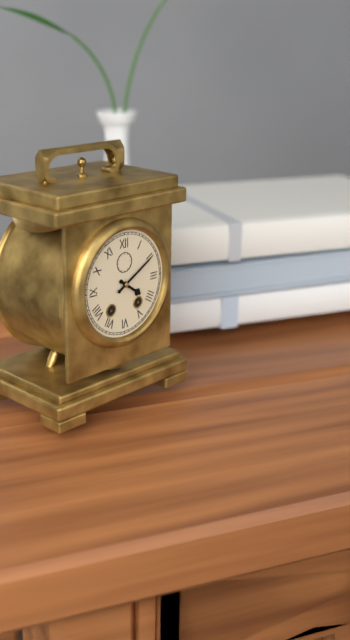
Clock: 4,10
